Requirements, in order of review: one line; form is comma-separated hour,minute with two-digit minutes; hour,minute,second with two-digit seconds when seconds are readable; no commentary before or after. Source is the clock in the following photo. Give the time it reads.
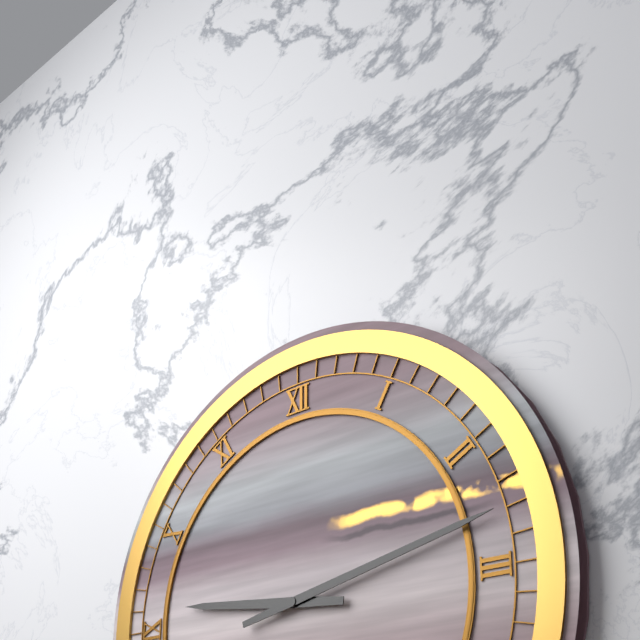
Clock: 9,13
